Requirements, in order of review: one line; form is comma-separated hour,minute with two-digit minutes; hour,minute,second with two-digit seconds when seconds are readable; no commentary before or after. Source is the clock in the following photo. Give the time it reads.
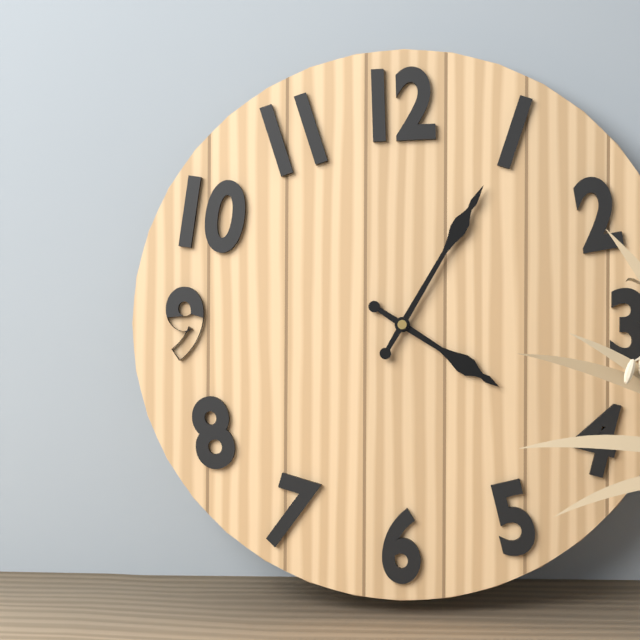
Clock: 4,05
